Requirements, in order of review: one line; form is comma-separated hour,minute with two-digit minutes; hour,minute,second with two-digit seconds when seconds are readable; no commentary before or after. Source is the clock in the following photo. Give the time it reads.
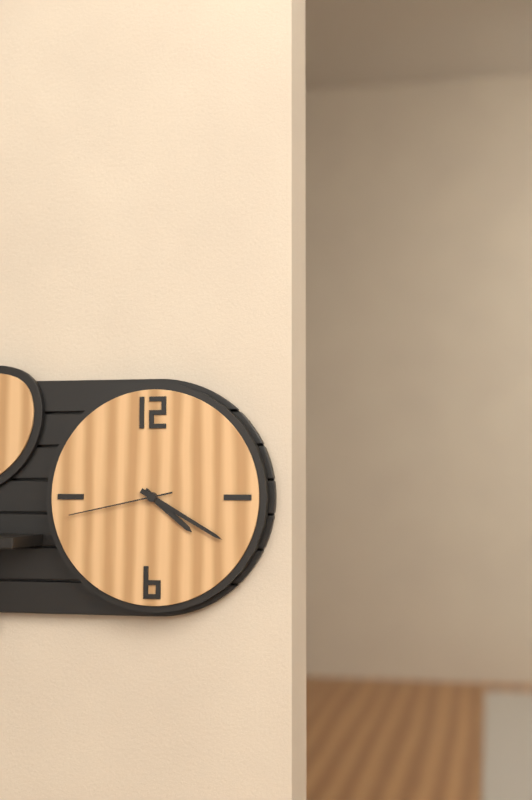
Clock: 4,20,43
